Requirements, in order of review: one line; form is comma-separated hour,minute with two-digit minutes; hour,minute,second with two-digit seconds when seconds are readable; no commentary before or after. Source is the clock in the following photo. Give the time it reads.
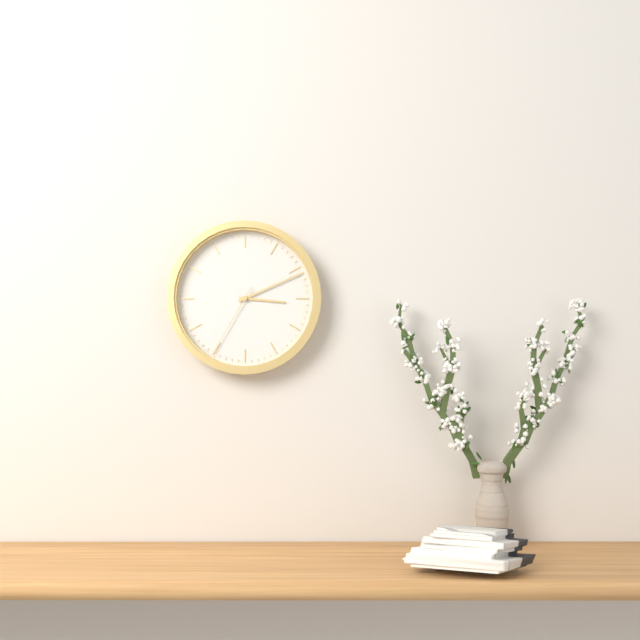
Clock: 3,11,35
